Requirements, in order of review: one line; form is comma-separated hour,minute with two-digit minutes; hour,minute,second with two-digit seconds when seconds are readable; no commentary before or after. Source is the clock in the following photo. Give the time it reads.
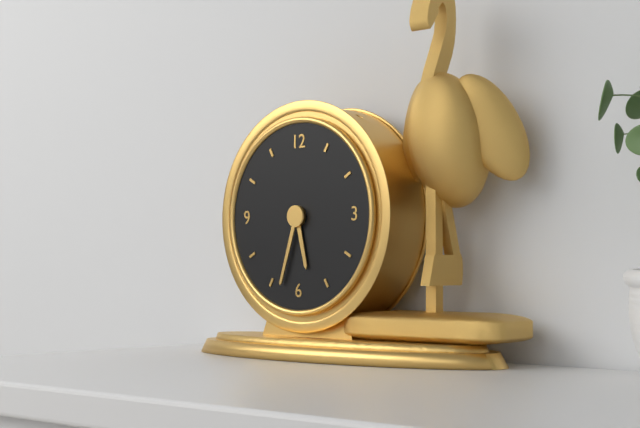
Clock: 5,33
